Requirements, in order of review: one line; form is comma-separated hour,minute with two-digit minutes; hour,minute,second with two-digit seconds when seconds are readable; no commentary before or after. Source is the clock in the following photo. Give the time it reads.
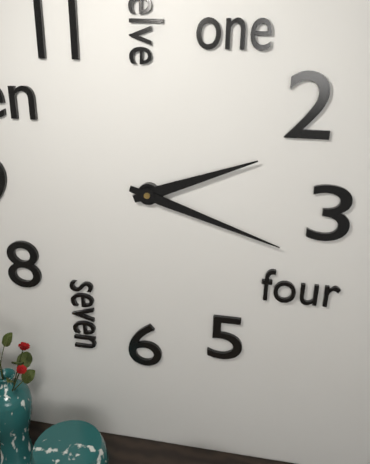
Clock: 2,18
